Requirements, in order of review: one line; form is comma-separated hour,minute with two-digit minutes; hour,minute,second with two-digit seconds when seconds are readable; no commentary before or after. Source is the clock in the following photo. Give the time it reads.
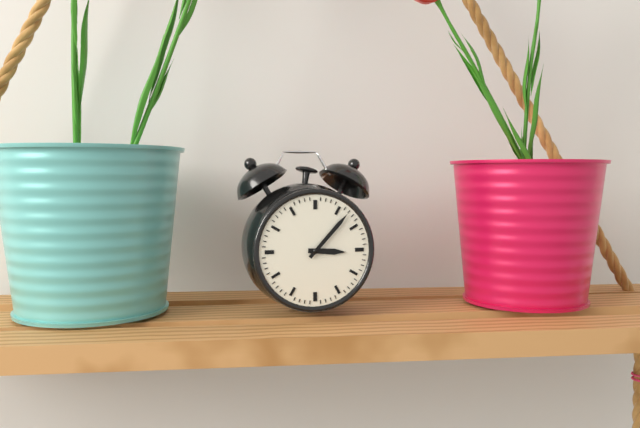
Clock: 3,07
